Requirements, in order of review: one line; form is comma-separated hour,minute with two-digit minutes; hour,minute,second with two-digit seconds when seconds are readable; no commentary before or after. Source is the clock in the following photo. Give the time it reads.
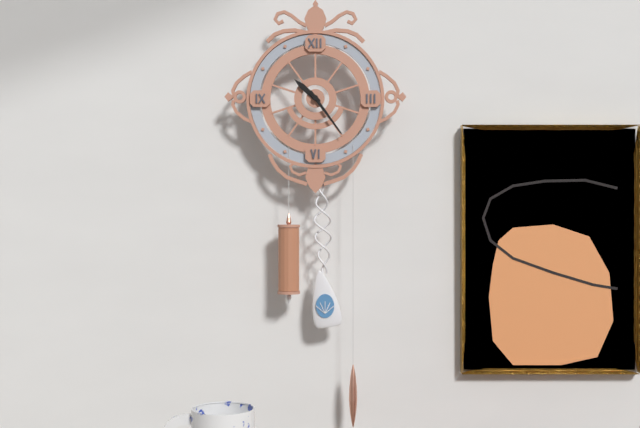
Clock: 10,24
